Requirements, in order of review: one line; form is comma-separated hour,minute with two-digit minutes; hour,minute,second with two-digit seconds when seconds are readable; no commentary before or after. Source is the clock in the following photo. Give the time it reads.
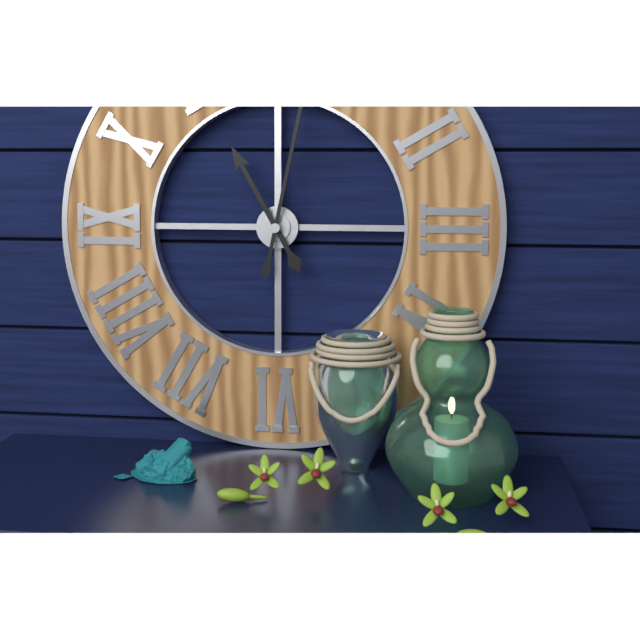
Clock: 11,02
